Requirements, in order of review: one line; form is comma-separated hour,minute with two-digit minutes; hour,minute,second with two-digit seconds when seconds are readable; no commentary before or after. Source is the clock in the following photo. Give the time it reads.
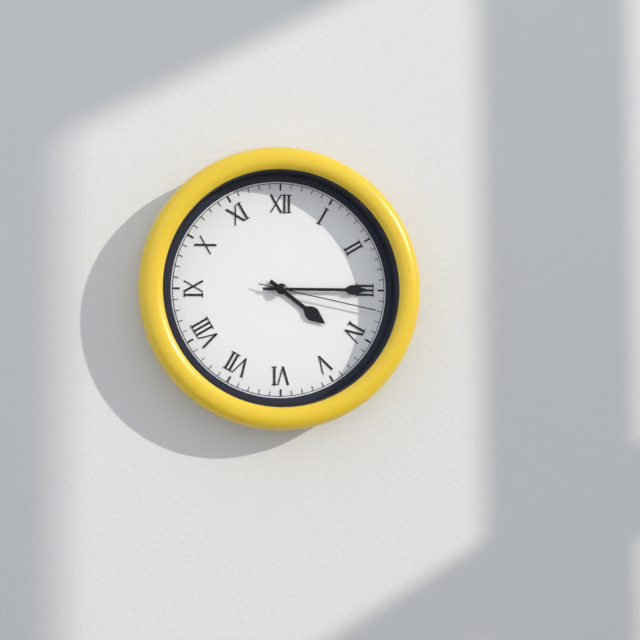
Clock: 4,15,17
